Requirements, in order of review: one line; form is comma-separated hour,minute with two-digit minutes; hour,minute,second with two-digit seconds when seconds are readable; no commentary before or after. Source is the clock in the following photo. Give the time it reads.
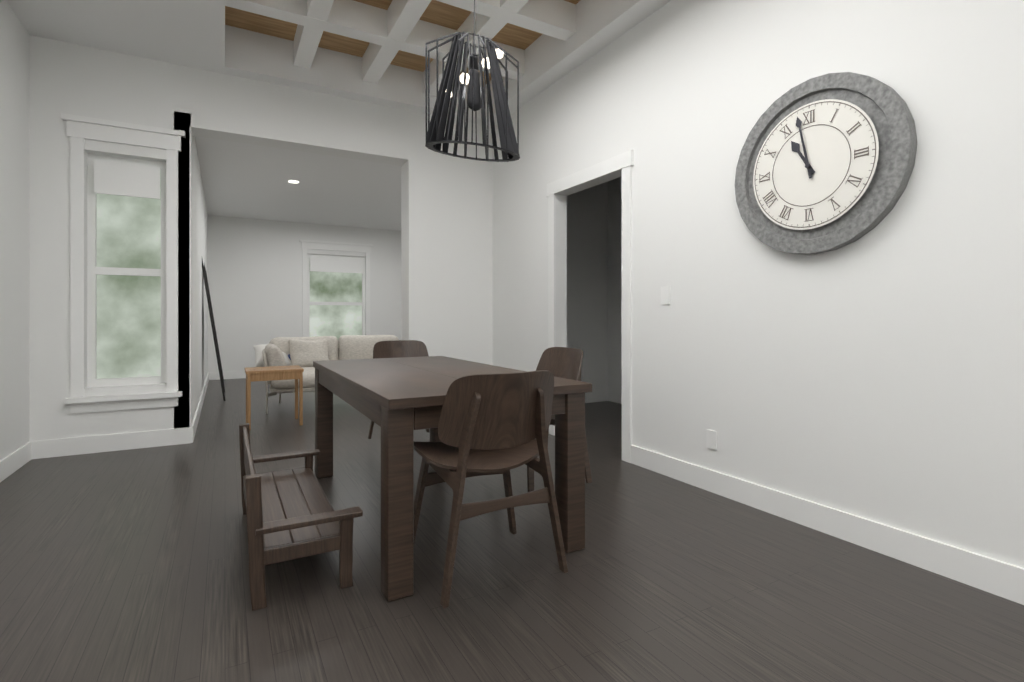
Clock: 10,58
